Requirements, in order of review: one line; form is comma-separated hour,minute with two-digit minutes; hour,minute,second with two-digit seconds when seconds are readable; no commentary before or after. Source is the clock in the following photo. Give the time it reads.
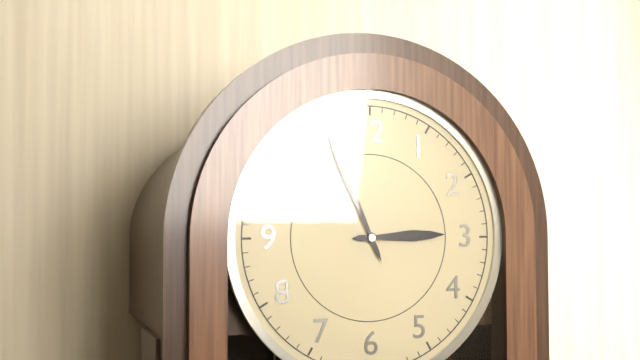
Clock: 2,56
